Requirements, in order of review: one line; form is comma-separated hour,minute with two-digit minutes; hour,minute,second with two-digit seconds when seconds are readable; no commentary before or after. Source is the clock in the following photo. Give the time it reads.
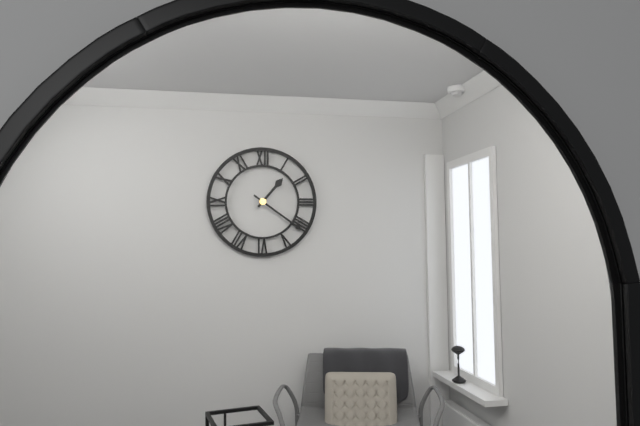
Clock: 1,21
